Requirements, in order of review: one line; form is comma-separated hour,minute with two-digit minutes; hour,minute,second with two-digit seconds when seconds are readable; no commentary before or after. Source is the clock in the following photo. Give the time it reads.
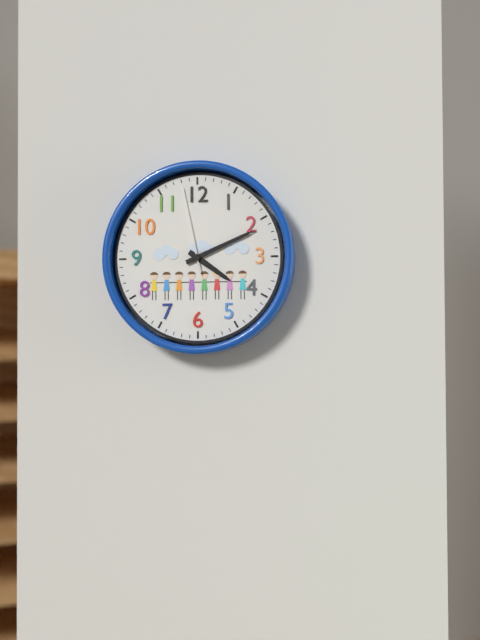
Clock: 4,11,58
